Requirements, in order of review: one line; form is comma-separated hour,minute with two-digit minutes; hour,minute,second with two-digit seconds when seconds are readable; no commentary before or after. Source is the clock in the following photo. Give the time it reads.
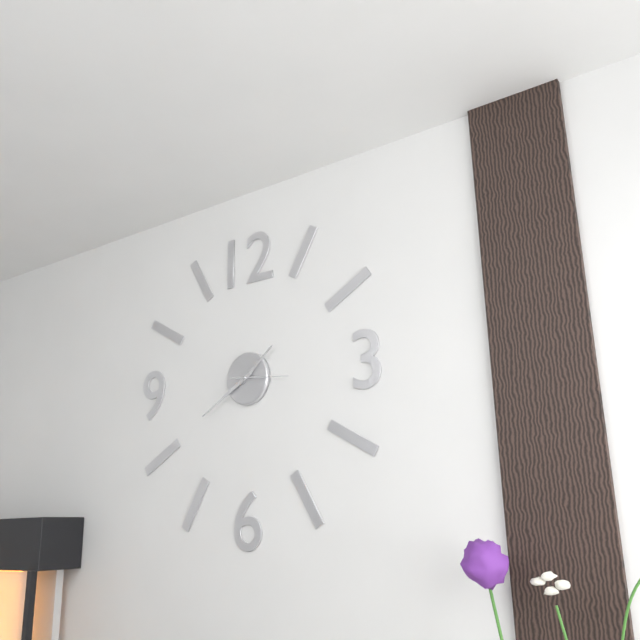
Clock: 1,40,16
